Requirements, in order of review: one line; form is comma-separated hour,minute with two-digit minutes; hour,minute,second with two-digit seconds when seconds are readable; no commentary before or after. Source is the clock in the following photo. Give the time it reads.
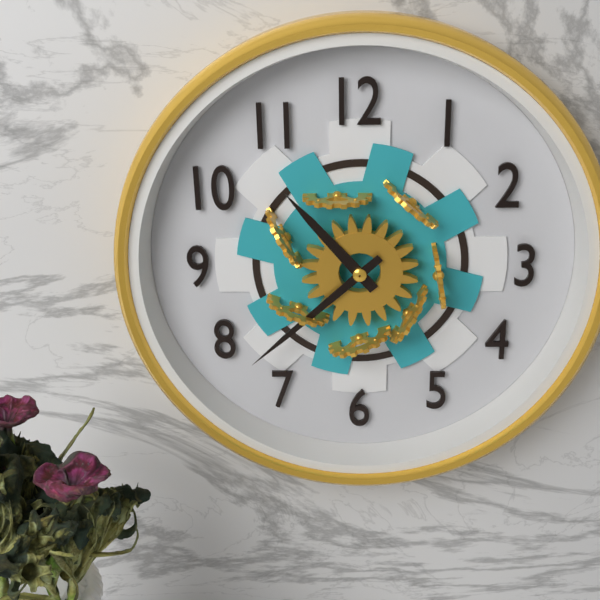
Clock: 10,38
